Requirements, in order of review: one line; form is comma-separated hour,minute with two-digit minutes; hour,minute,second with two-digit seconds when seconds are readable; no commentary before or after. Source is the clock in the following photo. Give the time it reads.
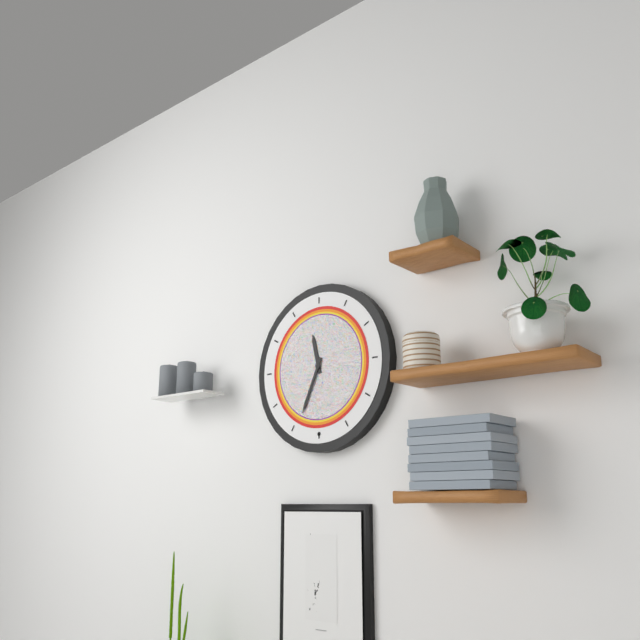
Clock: 11,34
